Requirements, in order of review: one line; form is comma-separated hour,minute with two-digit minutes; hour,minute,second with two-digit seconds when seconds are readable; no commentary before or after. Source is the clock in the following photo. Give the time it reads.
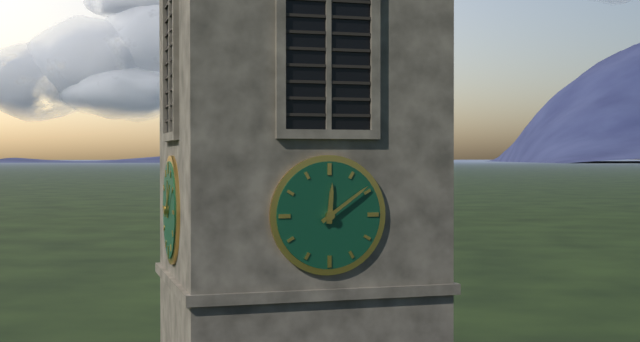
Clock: 12,09
